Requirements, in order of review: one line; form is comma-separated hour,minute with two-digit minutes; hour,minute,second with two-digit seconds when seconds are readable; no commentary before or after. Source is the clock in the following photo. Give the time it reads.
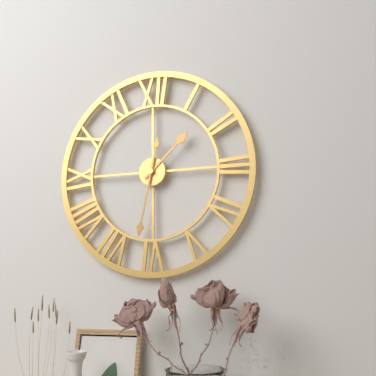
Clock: 1,32
